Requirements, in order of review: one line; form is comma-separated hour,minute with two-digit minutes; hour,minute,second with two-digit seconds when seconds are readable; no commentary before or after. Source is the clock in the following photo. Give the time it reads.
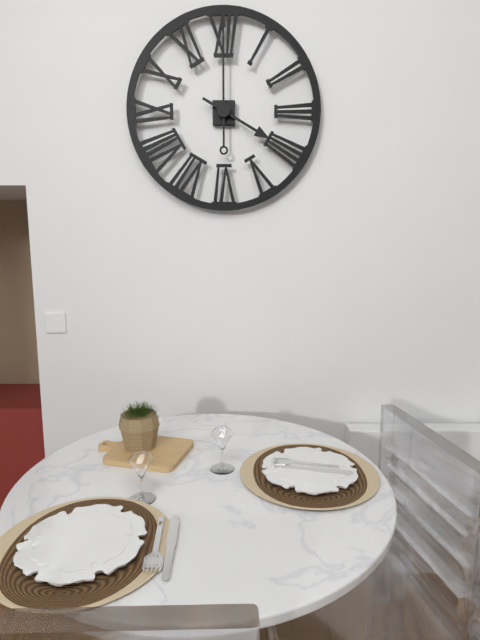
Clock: 4,00
